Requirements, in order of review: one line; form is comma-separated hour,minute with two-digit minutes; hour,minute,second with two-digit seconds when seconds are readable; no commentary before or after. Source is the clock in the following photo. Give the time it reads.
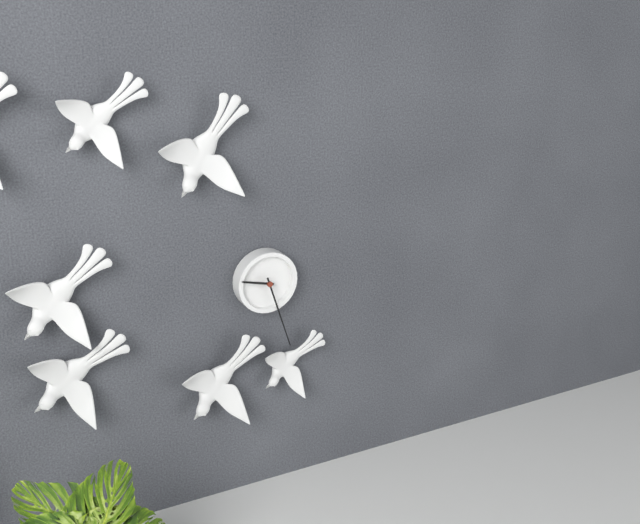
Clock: 9,27
